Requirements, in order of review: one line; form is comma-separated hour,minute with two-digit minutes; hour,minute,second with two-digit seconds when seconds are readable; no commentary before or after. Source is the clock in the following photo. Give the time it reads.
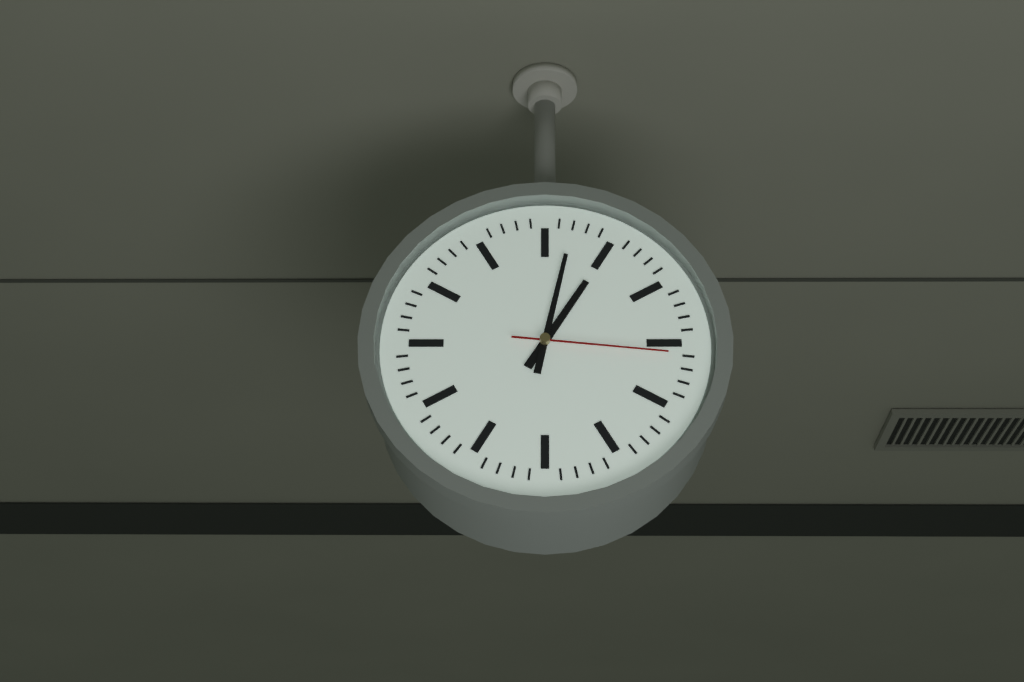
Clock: 1,02,16
